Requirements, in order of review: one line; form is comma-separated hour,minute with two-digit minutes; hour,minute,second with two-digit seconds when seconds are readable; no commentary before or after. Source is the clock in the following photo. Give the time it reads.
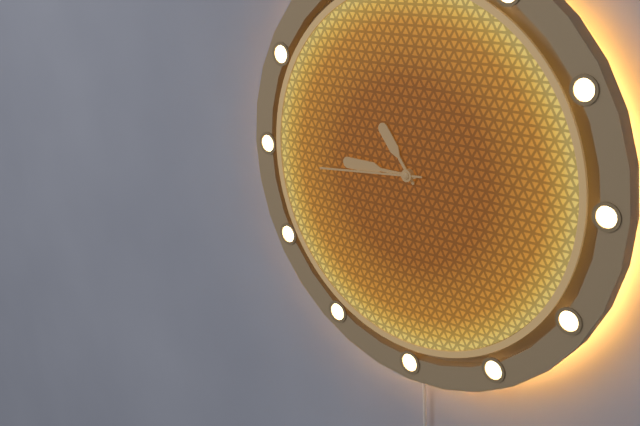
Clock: 10,45,44
